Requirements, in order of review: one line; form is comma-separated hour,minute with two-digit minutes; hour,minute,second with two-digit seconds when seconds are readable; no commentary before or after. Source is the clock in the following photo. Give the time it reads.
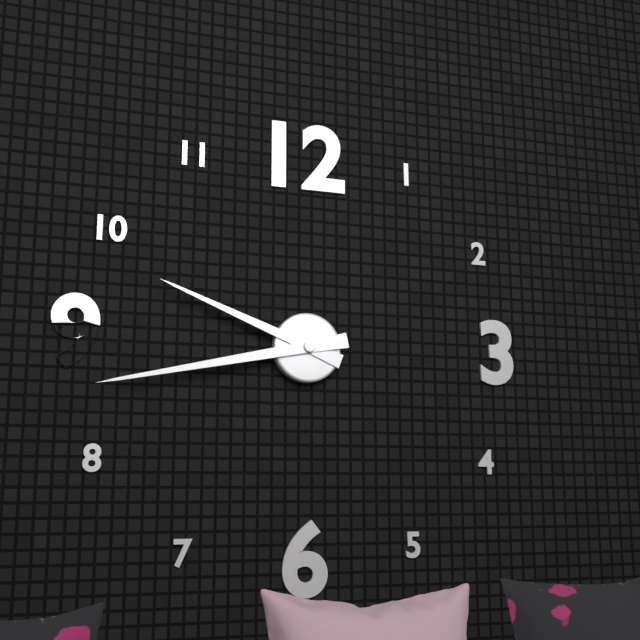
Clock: 9,43
